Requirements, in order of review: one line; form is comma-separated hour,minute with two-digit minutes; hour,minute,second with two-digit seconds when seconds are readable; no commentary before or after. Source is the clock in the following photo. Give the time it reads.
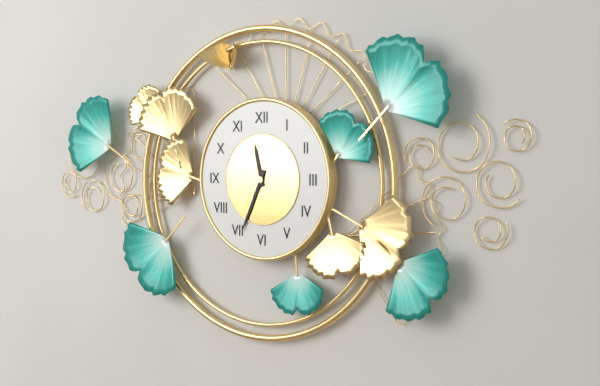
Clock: 11,34
